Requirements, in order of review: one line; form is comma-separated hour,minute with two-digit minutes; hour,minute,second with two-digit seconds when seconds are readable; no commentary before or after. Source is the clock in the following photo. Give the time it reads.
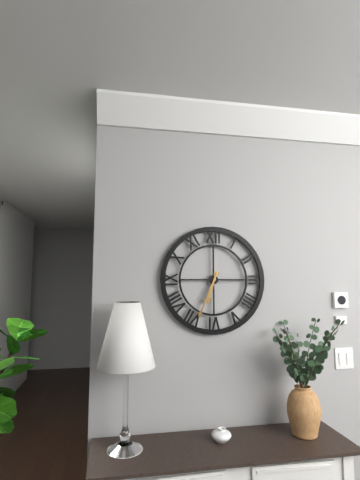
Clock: 6,34
